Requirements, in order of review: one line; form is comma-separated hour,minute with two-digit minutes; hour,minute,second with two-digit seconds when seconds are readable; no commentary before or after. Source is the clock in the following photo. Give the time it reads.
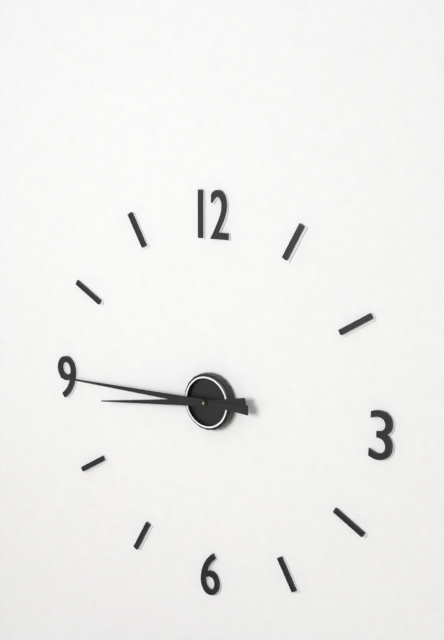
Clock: 8,45
